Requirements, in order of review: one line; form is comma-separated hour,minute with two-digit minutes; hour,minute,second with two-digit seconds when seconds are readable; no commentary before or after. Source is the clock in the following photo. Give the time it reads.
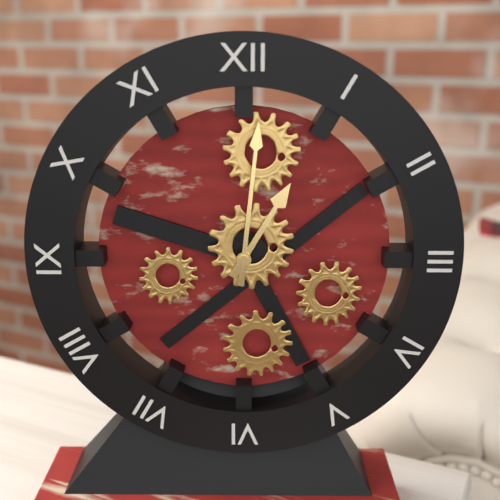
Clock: 1,01
